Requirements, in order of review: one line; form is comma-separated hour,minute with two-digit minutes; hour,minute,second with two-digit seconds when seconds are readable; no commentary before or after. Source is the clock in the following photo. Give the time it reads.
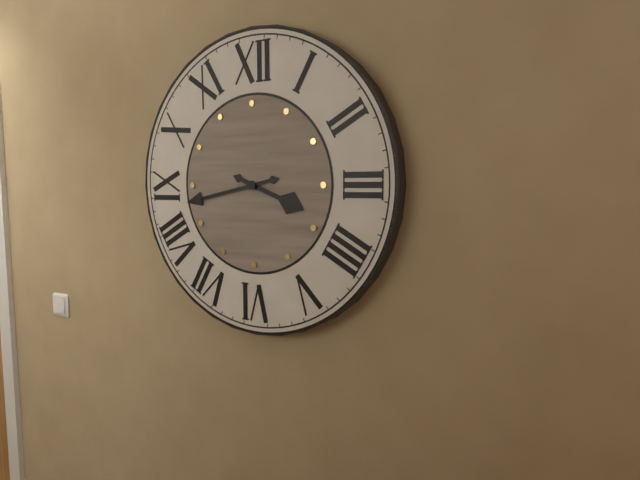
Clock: 3,43
